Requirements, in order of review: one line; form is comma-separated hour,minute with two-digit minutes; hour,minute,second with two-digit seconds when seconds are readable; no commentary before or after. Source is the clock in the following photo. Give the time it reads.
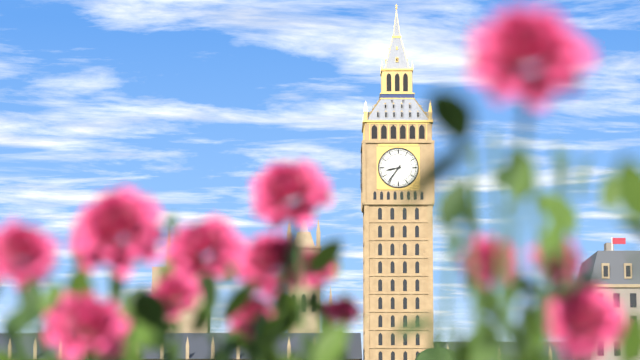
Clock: 8,36
